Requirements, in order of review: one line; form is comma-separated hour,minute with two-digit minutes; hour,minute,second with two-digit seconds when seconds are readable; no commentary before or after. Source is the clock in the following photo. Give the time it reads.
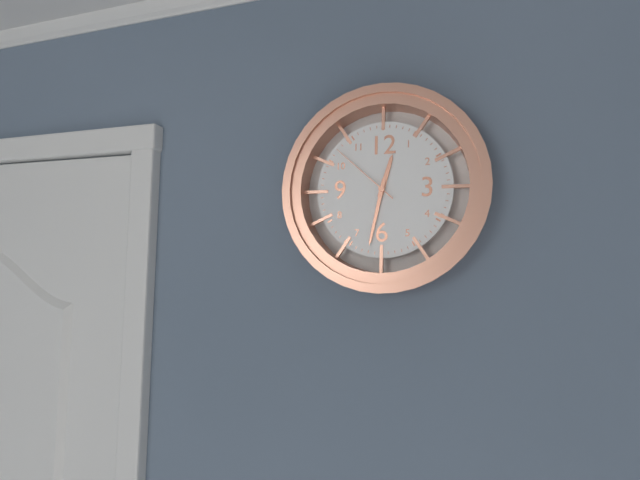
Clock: 12,32,52
